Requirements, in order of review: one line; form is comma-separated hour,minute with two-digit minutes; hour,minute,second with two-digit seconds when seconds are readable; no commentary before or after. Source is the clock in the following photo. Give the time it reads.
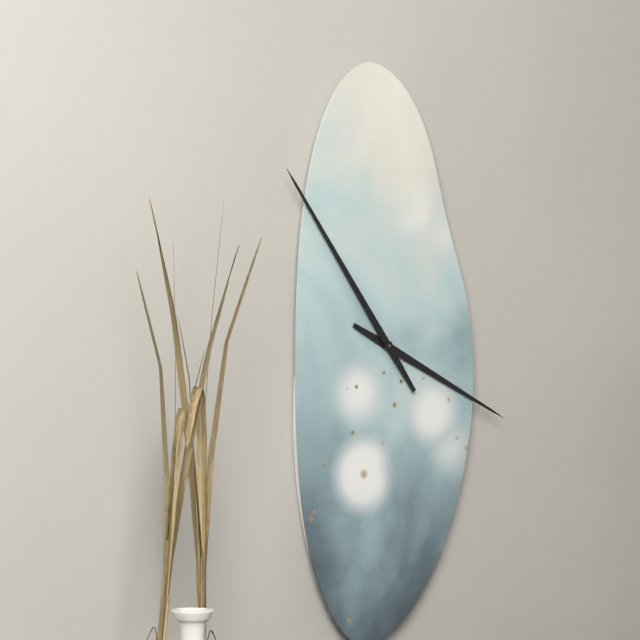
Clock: 3,54
